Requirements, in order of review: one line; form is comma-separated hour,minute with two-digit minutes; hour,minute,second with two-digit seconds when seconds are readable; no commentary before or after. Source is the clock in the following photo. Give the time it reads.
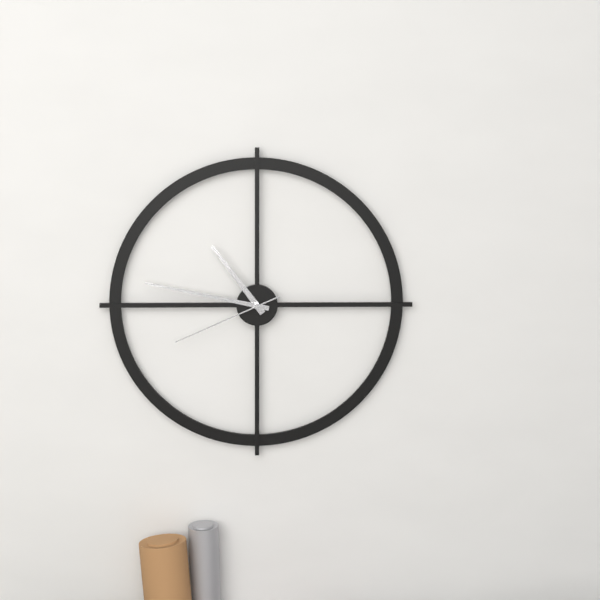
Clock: 10,47,41
